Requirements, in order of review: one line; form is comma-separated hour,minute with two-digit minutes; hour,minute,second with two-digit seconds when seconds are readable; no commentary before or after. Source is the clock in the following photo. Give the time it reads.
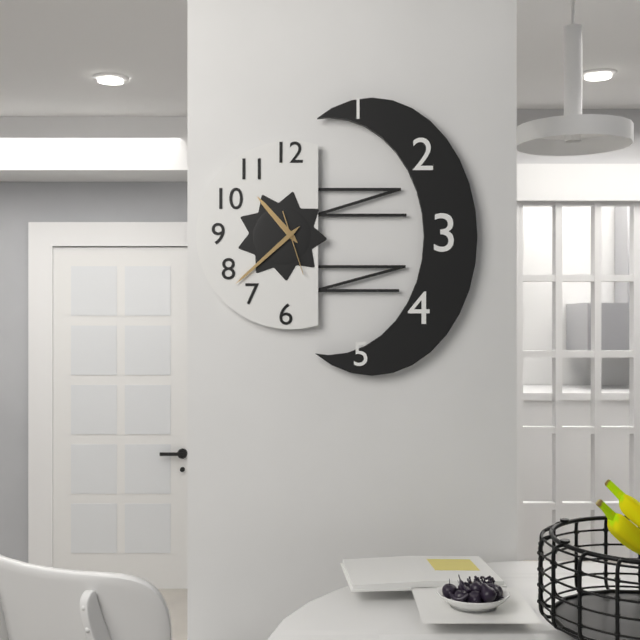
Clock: 10,38,27
